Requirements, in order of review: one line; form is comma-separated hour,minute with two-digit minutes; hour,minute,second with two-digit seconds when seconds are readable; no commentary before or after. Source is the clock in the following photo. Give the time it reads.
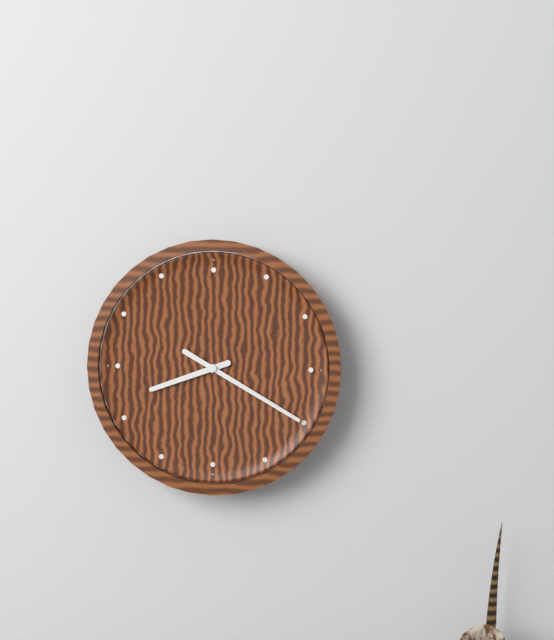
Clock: 8,20
